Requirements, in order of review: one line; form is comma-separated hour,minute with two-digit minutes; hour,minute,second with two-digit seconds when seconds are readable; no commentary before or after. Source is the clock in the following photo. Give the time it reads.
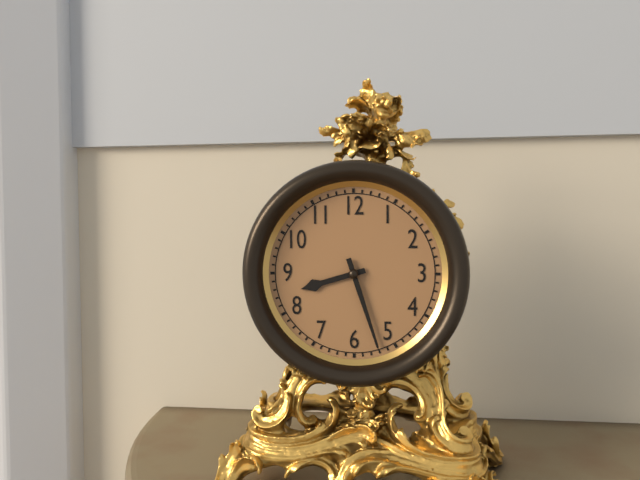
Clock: 8,27
